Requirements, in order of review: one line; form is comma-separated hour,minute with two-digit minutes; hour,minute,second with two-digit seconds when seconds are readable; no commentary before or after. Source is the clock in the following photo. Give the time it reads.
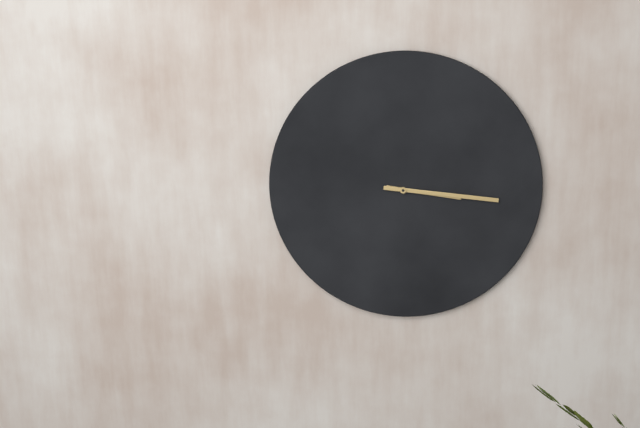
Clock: 3,16
